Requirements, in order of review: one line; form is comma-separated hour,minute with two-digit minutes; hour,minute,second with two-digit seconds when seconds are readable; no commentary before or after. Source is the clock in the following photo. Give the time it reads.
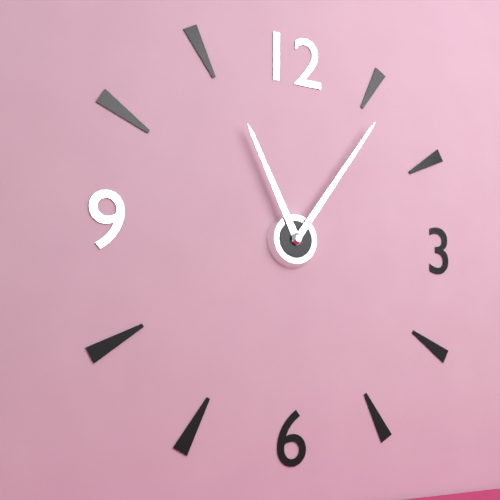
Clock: 11,06
